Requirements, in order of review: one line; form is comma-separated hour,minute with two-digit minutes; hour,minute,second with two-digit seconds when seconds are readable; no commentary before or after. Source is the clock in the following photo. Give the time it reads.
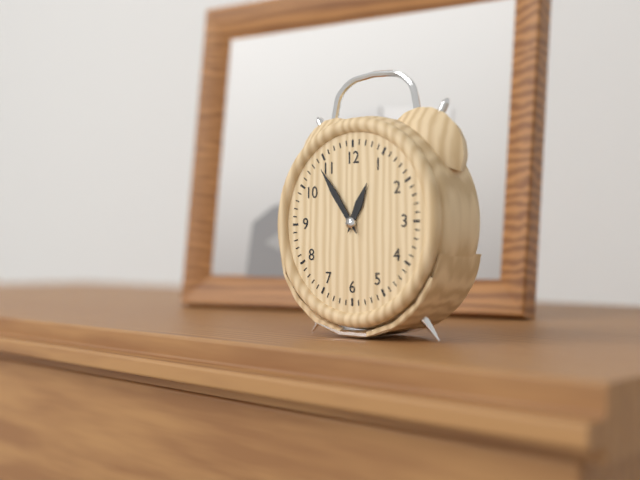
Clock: 12,54
